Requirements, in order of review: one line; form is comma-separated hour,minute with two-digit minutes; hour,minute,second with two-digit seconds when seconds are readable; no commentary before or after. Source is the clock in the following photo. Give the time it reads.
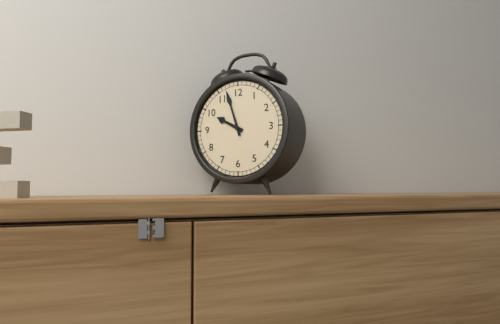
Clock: 9,57
